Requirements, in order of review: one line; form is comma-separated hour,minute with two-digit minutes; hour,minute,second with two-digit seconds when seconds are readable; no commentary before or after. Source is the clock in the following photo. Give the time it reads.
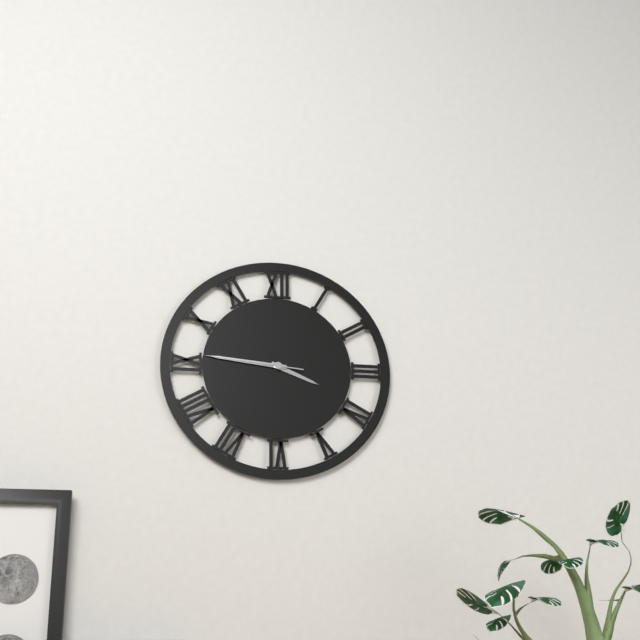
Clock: 3,46,46
